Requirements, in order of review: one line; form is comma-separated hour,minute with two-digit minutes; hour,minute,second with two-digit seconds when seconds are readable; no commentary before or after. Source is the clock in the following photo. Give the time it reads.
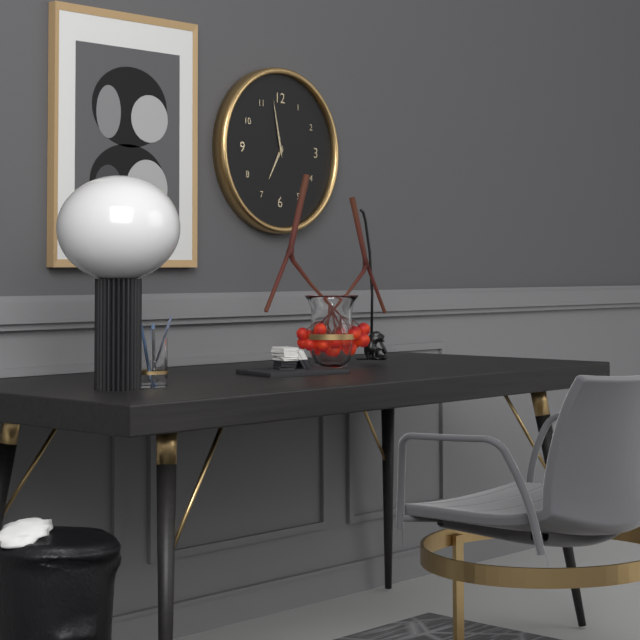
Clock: 6,58
